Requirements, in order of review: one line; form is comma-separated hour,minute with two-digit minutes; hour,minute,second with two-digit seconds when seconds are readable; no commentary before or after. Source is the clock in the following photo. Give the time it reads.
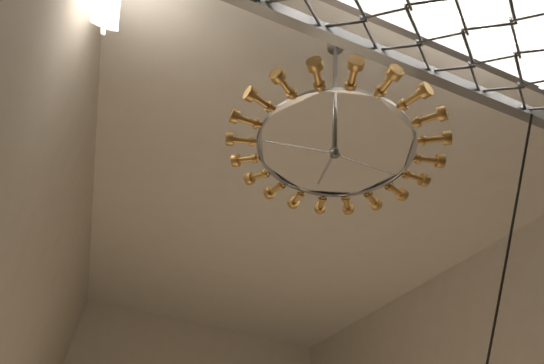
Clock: 5,43,15
